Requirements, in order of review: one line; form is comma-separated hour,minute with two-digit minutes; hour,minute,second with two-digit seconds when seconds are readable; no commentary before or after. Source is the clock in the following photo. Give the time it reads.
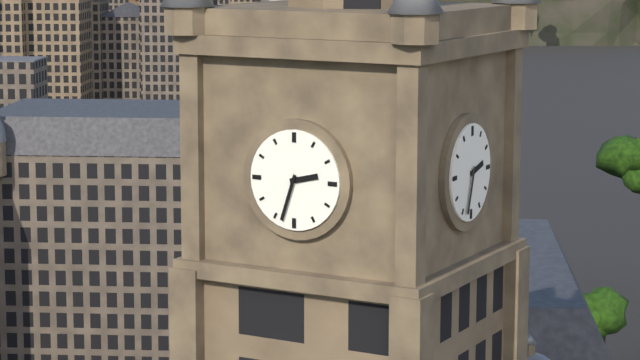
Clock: 2,33
